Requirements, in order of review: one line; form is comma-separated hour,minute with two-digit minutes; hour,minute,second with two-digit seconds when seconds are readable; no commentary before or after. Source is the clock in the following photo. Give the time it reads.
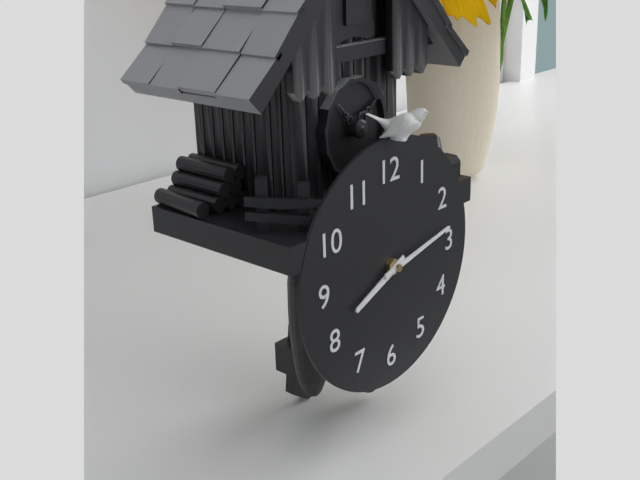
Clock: 8,13
